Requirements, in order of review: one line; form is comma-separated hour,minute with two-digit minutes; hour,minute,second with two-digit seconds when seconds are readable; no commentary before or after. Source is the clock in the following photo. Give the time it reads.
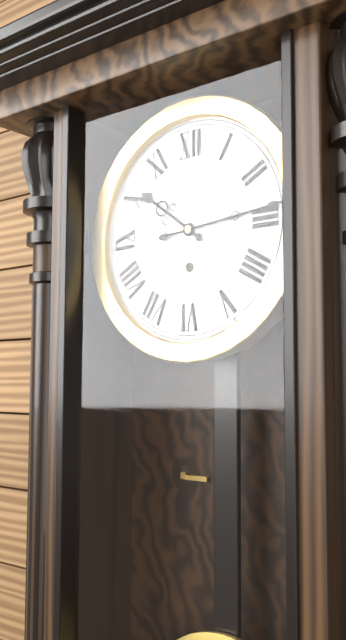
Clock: 10,14
